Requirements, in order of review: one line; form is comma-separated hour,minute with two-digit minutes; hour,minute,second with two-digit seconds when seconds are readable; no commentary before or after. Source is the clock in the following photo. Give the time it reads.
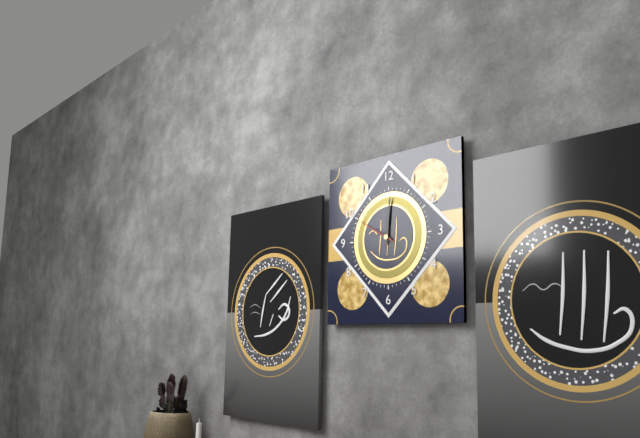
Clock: 10,01
